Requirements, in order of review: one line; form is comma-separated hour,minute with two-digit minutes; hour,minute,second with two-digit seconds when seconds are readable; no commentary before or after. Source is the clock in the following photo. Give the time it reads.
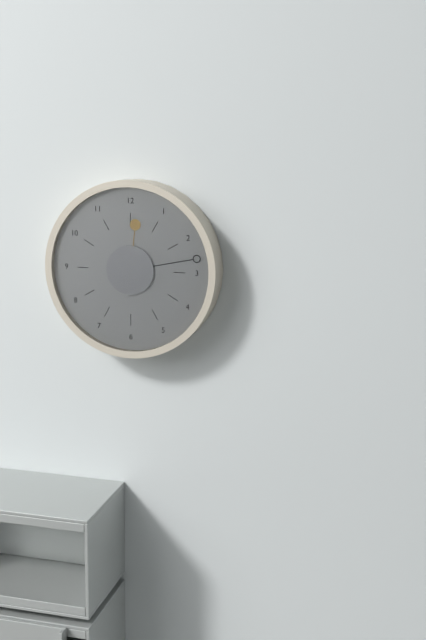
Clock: 12,13
